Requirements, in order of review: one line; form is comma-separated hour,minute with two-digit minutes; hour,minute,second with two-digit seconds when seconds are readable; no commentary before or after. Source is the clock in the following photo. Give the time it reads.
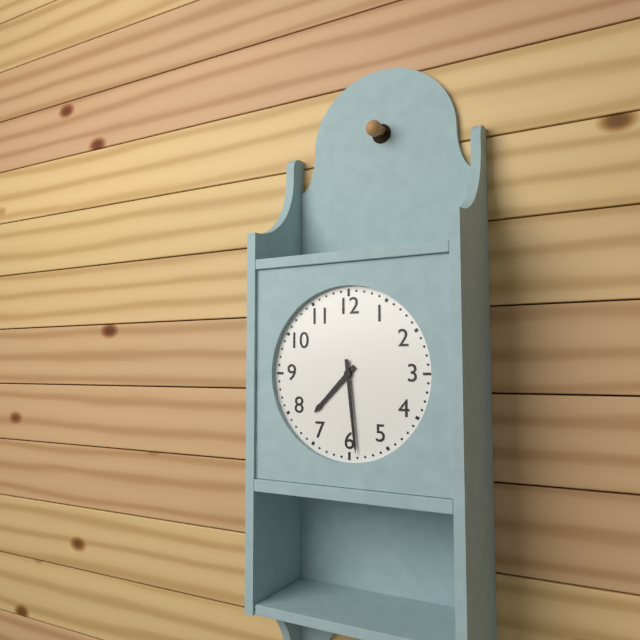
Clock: 7,29
